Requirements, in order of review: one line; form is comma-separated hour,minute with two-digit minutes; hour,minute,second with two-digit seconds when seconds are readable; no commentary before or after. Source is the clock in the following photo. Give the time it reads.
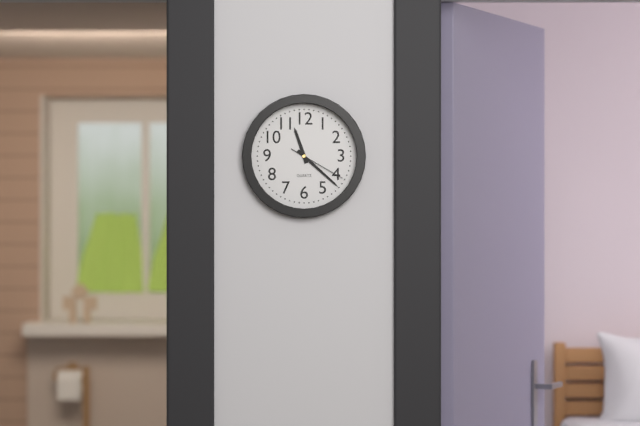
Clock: 11,22,20
